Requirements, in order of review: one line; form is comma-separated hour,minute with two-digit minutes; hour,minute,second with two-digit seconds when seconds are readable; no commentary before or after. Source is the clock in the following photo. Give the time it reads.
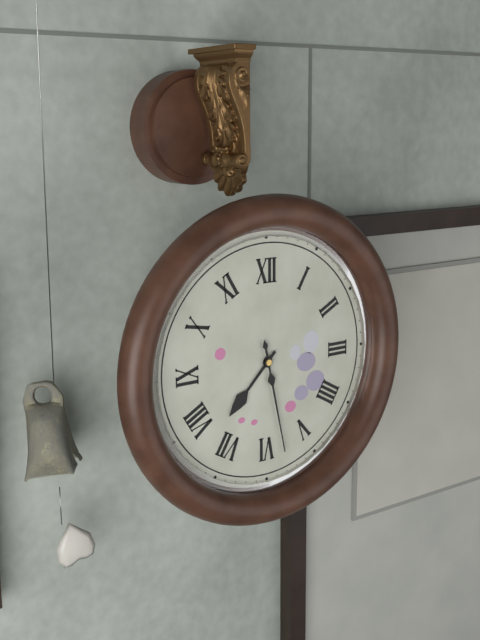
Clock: 7,28
